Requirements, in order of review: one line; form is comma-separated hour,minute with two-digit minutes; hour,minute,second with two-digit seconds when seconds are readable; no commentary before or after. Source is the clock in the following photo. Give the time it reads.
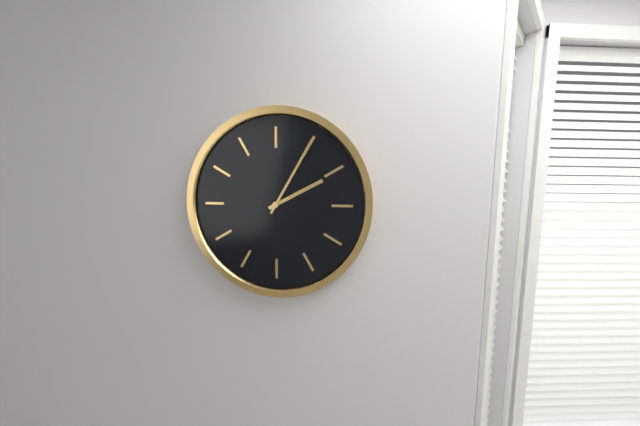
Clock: 2,05
